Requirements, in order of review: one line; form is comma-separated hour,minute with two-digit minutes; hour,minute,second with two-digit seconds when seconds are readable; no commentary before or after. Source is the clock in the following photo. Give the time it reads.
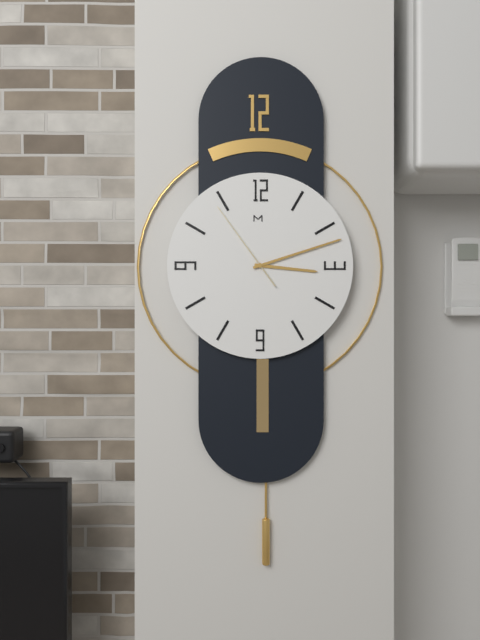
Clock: 3,12,54
